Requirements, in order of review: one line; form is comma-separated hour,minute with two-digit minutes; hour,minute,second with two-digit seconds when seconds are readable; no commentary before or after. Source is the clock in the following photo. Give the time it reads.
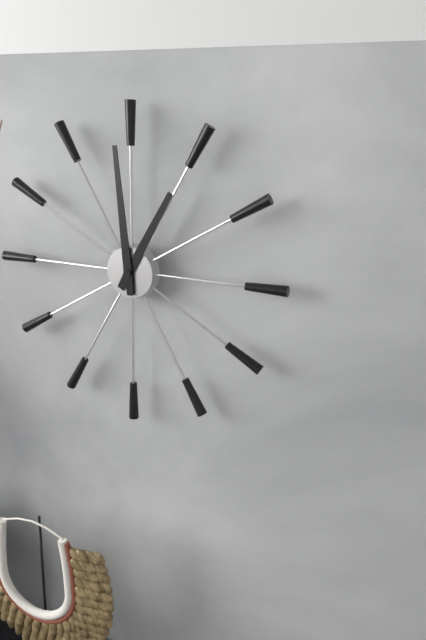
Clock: 12,59
